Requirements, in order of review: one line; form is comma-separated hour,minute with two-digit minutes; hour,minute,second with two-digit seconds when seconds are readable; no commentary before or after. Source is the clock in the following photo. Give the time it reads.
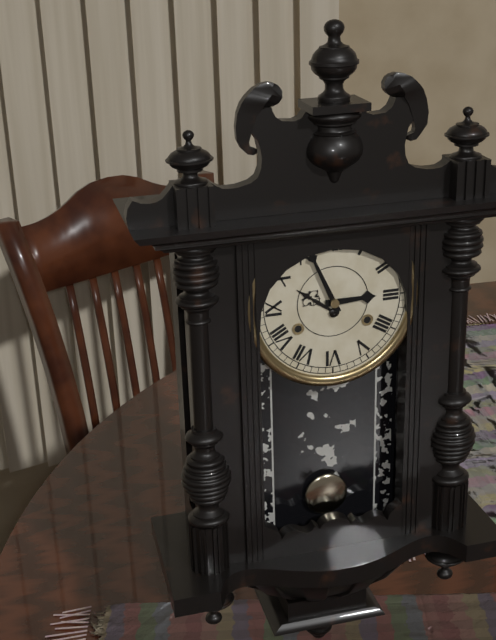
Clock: 2,56
